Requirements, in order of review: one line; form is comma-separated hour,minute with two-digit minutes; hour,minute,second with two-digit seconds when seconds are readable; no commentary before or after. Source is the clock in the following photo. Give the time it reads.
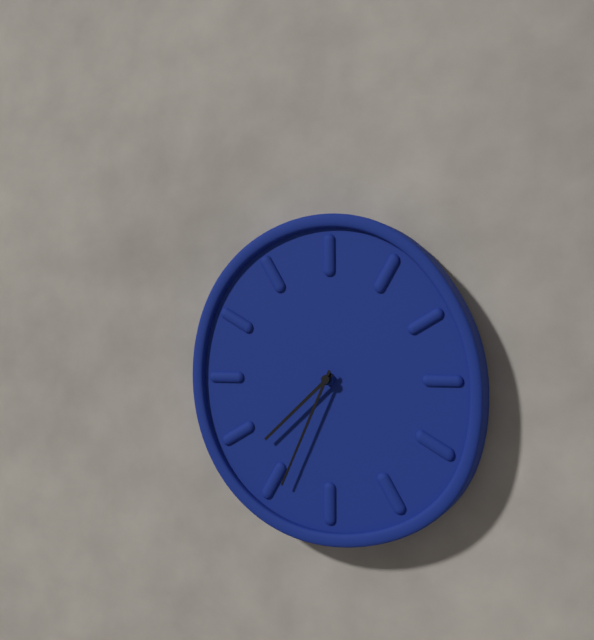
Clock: 7,34
